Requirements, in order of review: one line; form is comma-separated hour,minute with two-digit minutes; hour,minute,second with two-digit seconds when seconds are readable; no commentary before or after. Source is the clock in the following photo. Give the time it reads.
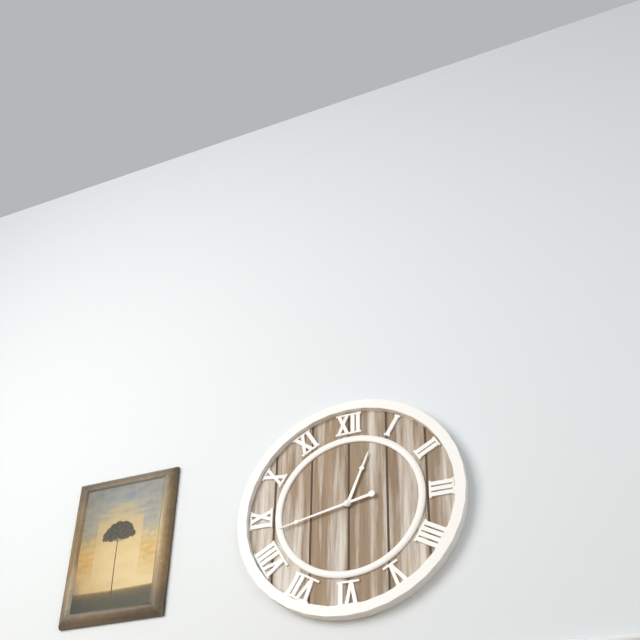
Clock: 12,43
